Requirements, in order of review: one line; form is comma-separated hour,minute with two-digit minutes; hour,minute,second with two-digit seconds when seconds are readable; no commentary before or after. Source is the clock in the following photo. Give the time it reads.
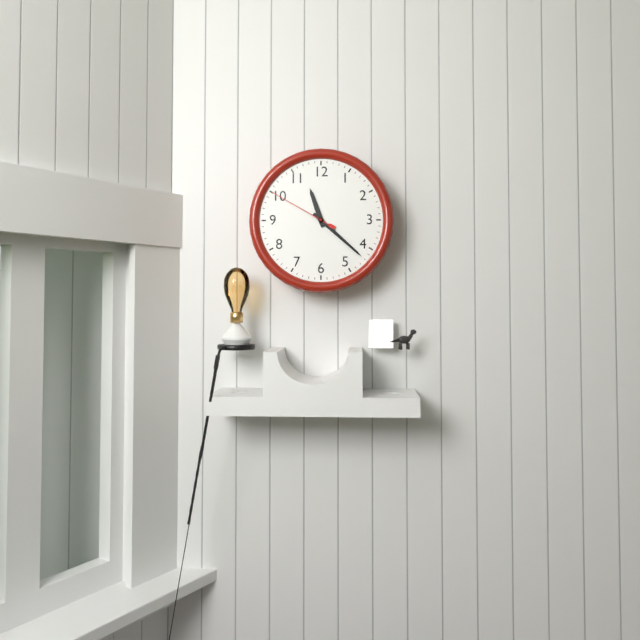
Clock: 11,22,50
